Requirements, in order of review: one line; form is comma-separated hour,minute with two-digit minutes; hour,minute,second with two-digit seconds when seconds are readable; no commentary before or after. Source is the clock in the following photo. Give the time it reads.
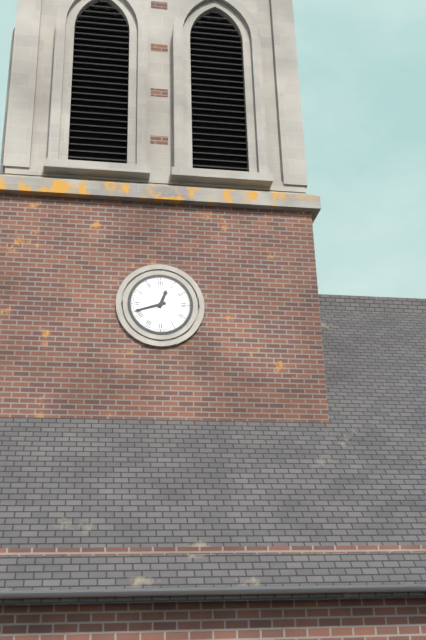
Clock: 12,42
